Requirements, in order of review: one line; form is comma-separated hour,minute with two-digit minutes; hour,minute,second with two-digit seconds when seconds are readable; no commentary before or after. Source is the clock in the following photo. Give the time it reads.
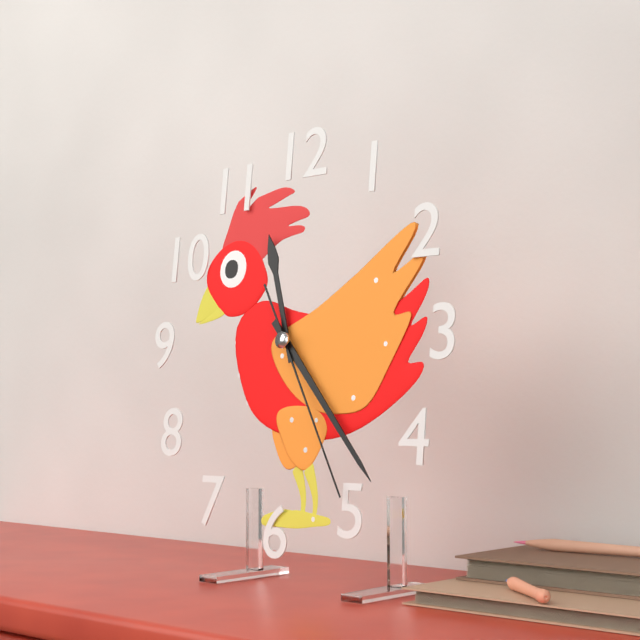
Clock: 11,23,25
